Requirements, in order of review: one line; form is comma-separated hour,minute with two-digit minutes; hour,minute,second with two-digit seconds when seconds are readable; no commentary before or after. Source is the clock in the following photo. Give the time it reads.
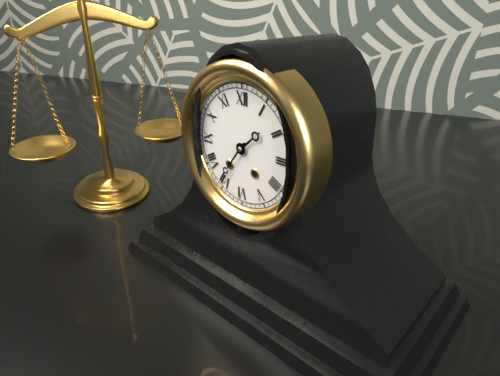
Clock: 1,36
